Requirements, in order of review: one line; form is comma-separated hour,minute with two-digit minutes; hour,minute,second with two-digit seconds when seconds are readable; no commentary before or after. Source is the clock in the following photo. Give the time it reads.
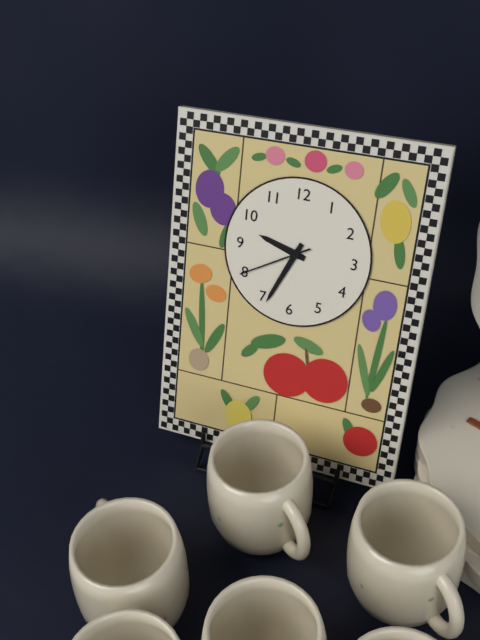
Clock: 9,34,40
